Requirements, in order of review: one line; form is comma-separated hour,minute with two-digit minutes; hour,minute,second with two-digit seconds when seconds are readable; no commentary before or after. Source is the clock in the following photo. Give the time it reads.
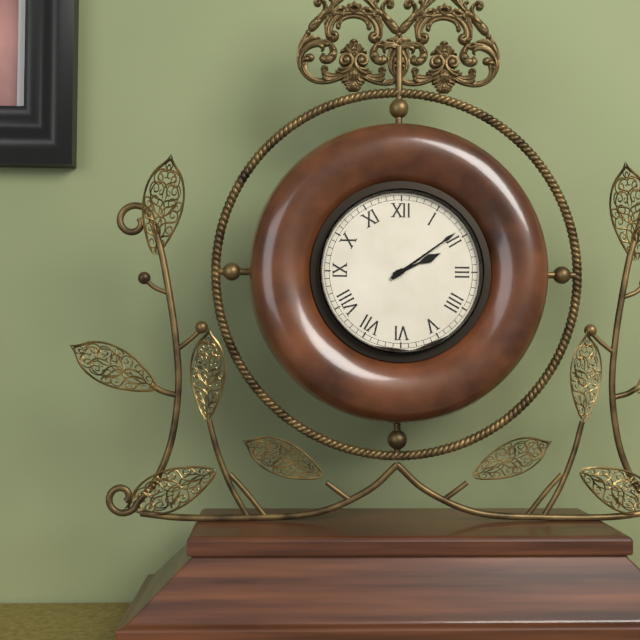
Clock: 2,09
